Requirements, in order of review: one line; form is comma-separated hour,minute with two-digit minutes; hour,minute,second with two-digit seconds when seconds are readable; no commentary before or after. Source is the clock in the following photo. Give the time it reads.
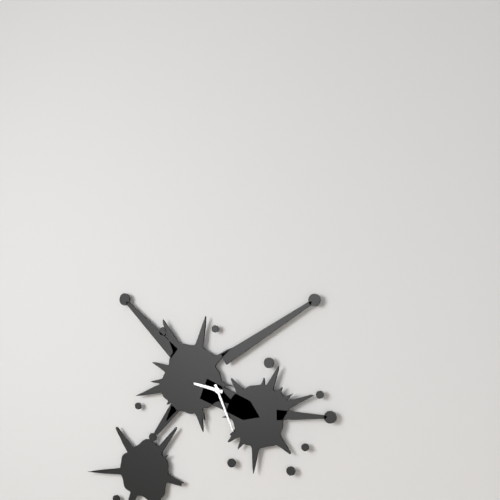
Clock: 9,26
